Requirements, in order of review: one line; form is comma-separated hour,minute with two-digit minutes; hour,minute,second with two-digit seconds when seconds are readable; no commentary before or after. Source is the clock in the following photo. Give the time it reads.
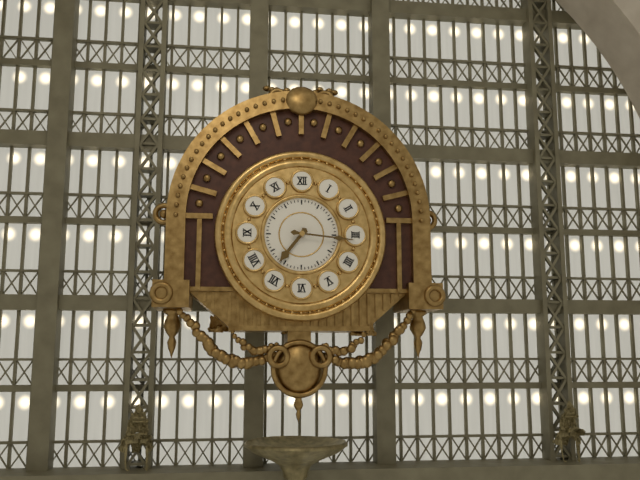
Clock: 7,16
